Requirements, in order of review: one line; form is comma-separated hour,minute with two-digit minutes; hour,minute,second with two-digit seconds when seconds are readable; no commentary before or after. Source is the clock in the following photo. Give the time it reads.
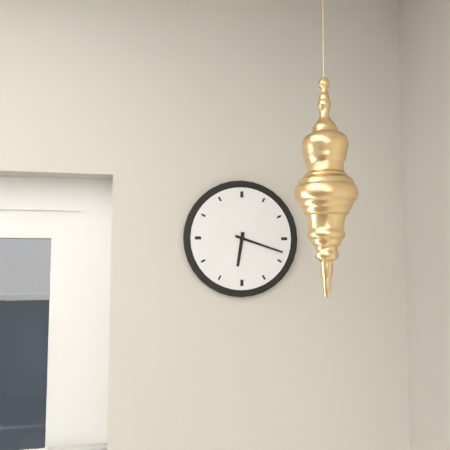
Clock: 6,18
